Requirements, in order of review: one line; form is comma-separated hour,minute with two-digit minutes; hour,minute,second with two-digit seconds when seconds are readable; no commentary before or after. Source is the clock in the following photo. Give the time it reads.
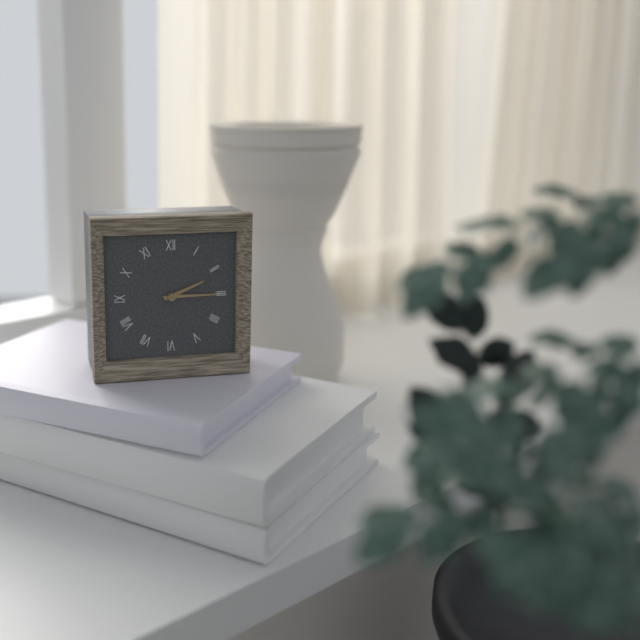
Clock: 2,15
